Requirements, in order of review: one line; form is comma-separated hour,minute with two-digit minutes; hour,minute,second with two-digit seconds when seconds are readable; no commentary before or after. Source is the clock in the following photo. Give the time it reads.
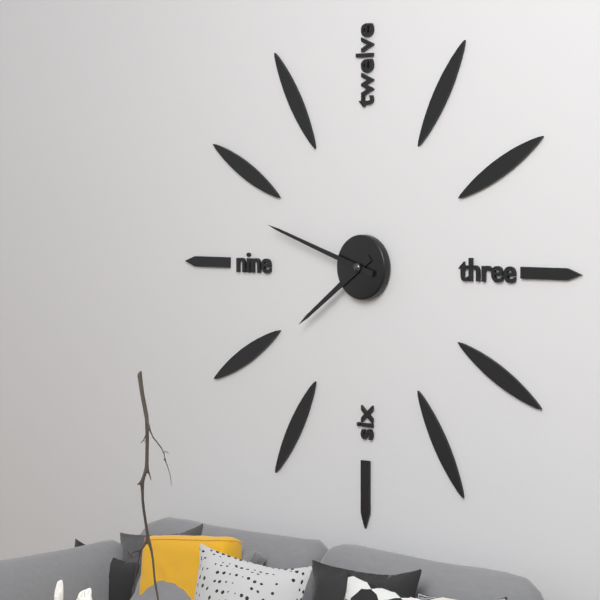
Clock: 7,48
